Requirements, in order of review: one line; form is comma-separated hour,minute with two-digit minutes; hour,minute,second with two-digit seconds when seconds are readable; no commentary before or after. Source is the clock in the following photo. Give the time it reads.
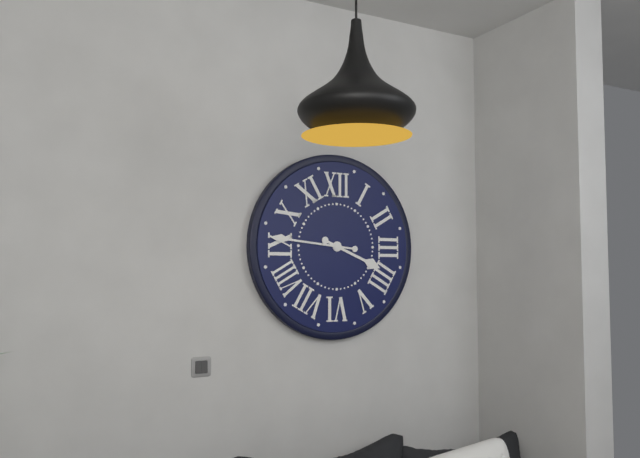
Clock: 3,46
